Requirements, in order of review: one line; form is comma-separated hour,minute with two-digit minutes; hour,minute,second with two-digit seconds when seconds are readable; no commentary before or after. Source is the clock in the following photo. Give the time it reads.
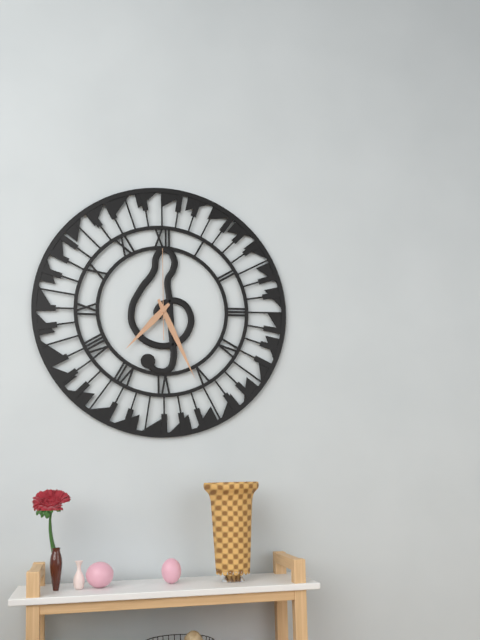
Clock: 7,26,00
